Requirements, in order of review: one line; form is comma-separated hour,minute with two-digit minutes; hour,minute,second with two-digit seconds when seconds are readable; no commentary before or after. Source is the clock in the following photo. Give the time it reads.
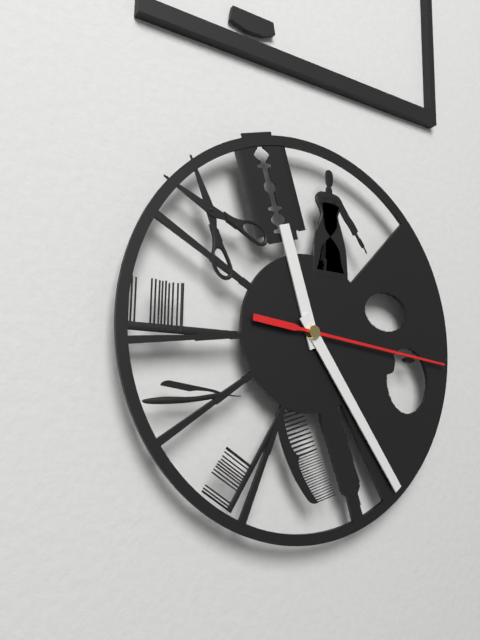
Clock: 11,24,16
